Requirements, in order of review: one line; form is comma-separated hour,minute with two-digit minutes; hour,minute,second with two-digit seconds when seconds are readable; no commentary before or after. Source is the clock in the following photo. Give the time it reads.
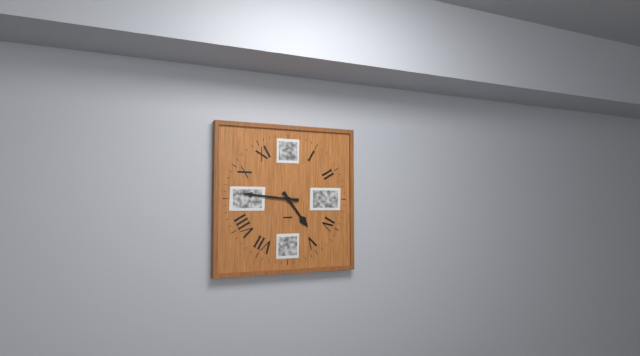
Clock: 4,46
